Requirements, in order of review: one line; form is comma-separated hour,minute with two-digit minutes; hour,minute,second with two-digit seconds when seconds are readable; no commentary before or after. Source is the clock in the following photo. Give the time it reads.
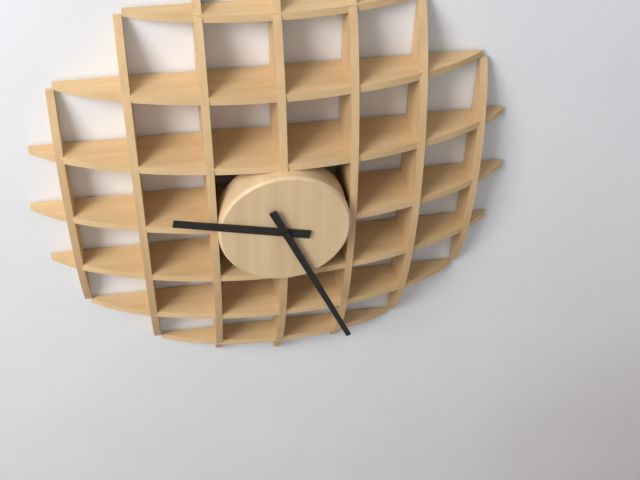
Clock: 9,26
